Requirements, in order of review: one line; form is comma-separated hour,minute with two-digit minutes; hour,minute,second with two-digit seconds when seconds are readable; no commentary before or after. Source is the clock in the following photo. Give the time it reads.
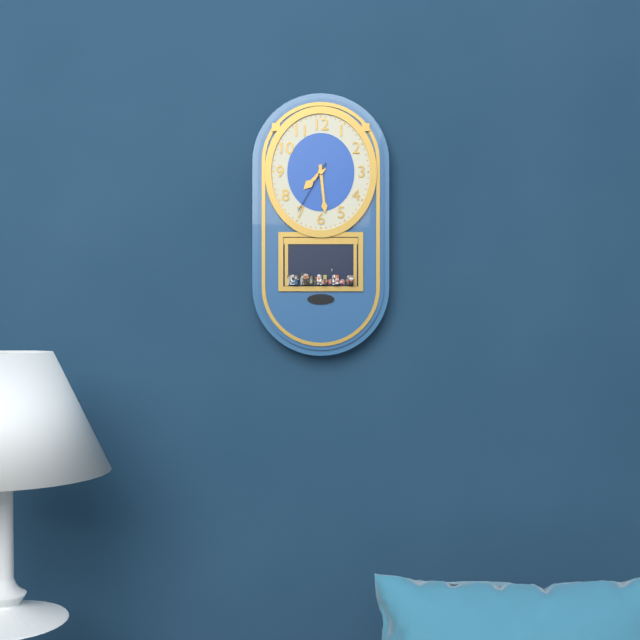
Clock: 7,29,35
